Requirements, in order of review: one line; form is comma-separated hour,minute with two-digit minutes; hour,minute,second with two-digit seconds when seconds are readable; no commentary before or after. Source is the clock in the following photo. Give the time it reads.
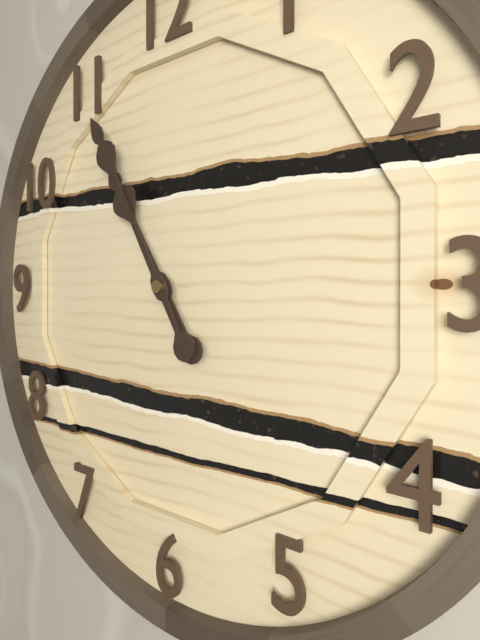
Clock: 10,55
